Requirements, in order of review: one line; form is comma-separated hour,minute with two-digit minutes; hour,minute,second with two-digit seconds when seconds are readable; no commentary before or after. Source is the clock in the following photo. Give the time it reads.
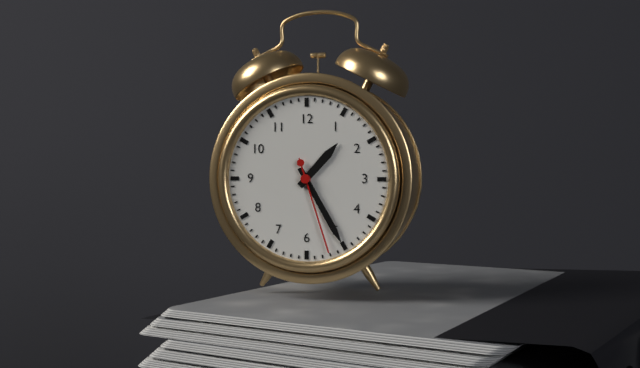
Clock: 1,25,27
